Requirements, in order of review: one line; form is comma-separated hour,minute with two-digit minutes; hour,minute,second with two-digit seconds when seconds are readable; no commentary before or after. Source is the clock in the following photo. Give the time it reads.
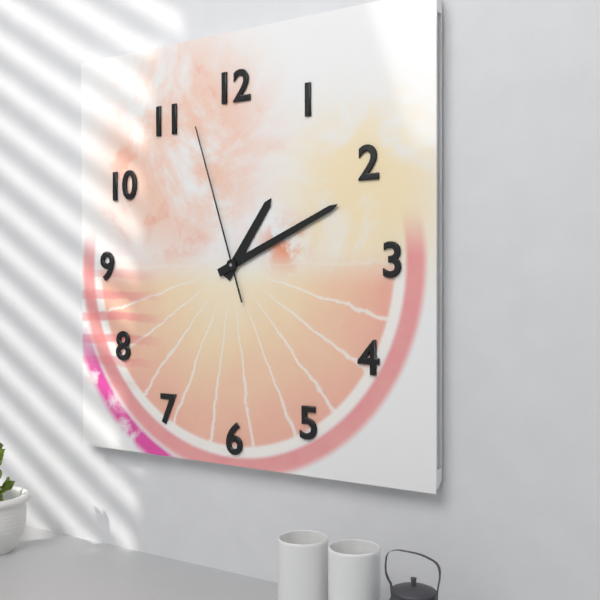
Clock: 1,11,57
